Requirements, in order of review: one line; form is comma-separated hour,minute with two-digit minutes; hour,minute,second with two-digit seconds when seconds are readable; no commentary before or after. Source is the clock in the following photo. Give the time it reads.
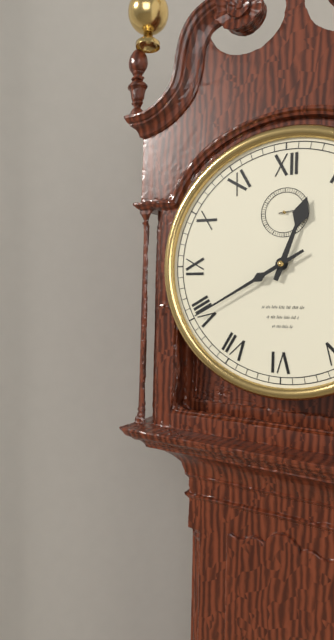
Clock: 12,40
